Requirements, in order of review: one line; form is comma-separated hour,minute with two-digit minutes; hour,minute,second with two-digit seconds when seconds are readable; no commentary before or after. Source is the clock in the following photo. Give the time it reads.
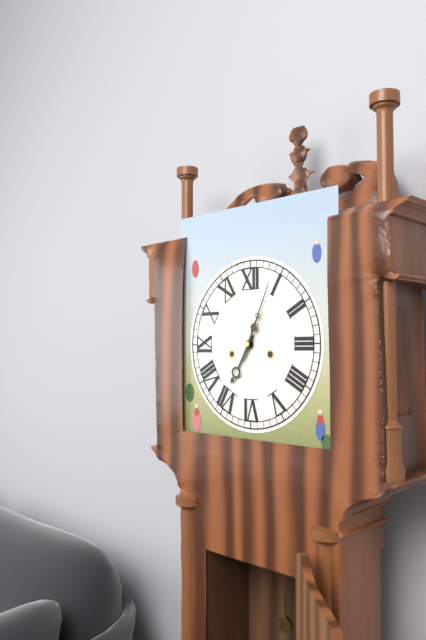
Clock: 7,04
